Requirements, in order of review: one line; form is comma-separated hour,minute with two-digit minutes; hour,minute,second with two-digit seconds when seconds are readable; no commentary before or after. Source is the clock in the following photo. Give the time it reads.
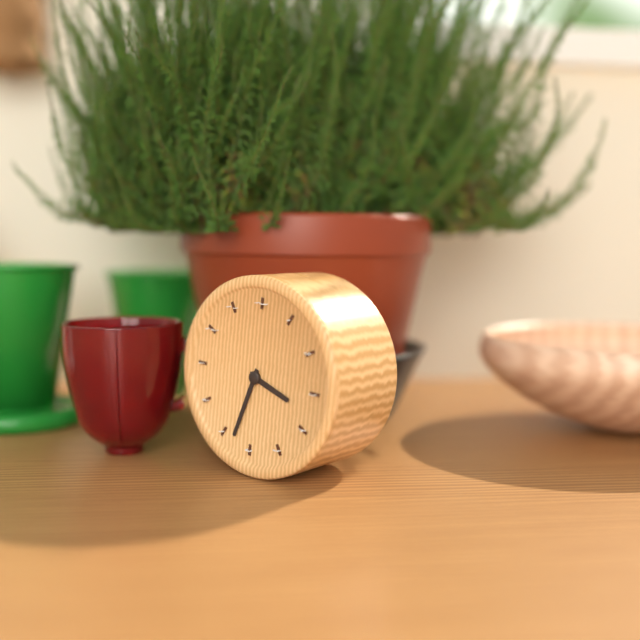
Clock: 3,33
